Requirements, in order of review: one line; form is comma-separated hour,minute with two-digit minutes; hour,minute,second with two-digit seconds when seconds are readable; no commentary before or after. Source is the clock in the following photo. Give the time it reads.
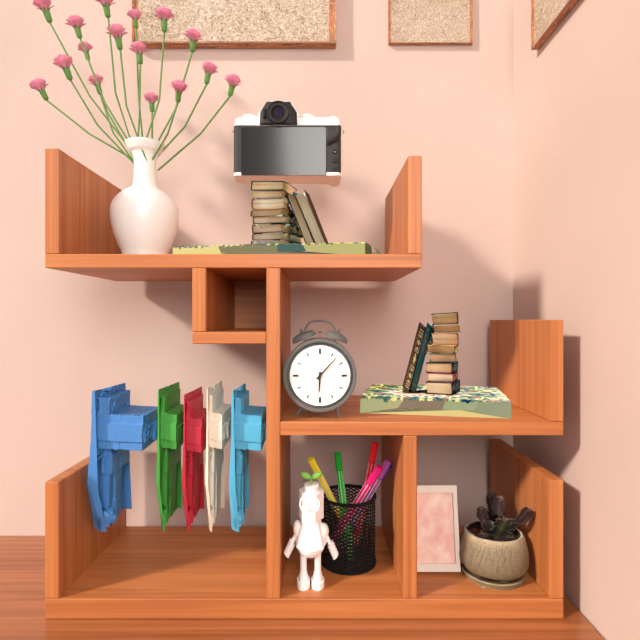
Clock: 6,07
